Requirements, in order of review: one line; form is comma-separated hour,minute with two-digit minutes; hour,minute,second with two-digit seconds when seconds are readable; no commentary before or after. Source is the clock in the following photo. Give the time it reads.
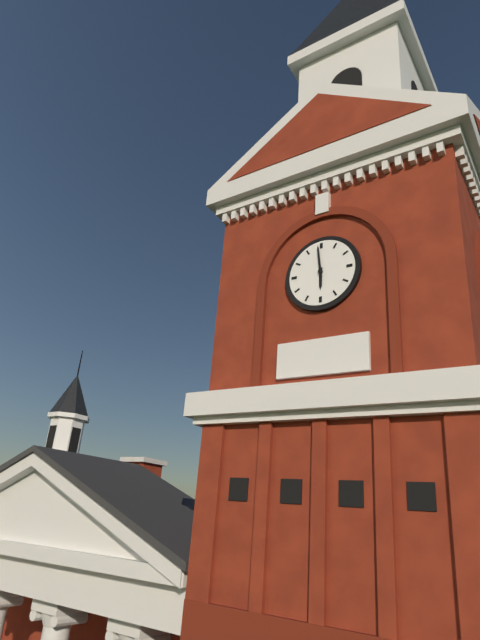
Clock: 5,59
